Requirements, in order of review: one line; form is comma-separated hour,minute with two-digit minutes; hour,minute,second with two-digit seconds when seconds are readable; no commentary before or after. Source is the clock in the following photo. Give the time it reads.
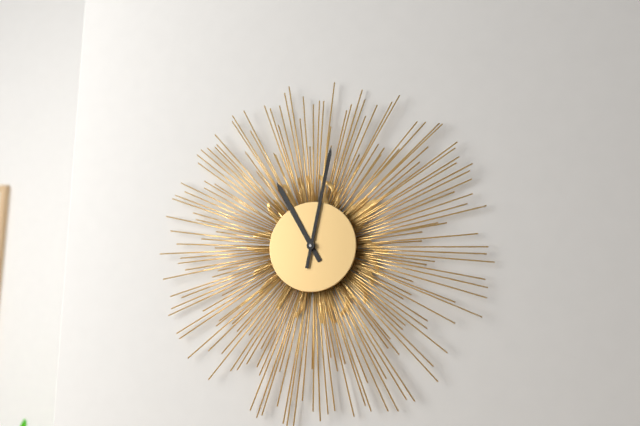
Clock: 11,02
